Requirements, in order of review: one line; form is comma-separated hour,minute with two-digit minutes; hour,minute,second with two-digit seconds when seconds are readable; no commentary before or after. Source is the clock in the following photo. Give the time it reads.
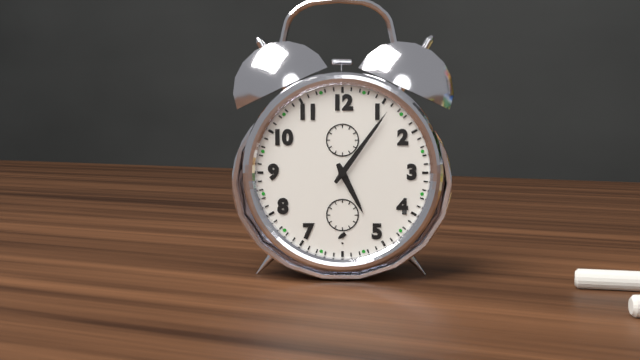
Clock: 5,06
